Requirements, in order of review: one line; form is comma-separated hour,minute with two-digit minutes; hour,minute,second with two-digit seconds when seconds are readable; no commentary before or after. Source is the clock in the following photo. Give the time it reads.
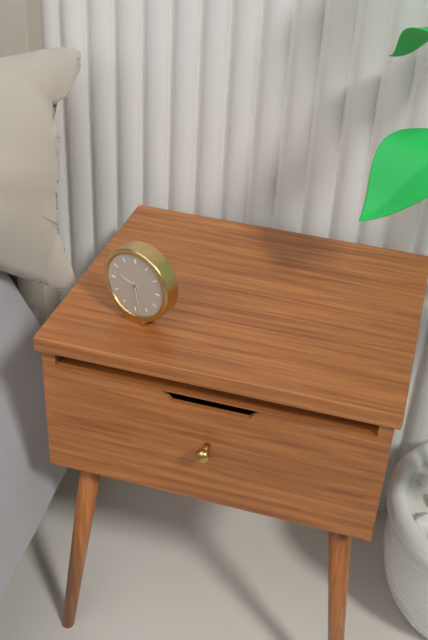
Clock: 9,28
